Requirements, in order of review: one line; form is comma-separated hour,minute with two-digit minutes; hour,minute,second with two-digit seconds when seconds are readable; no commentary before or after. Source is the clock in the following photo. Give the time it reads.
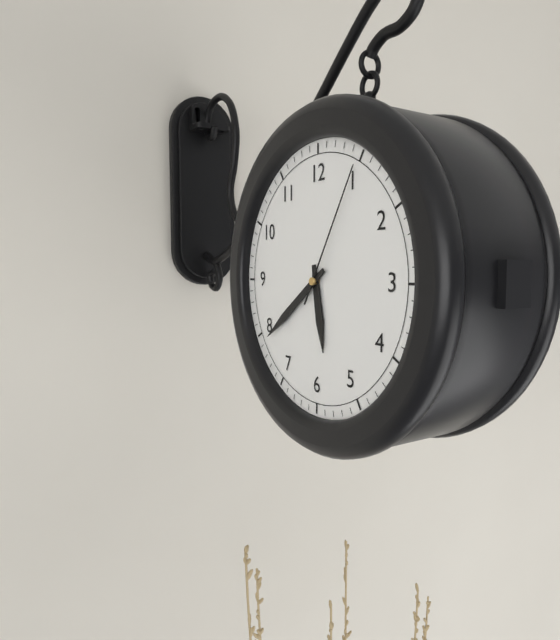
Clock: 5,39,05
